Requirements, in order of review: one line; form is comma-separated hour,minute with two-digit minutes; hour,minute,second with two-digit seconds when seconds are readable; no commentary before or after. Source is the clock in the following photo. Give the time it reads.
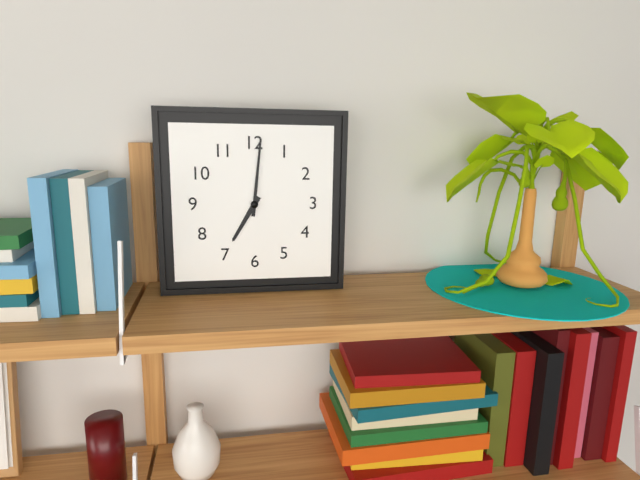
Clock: 7,01
